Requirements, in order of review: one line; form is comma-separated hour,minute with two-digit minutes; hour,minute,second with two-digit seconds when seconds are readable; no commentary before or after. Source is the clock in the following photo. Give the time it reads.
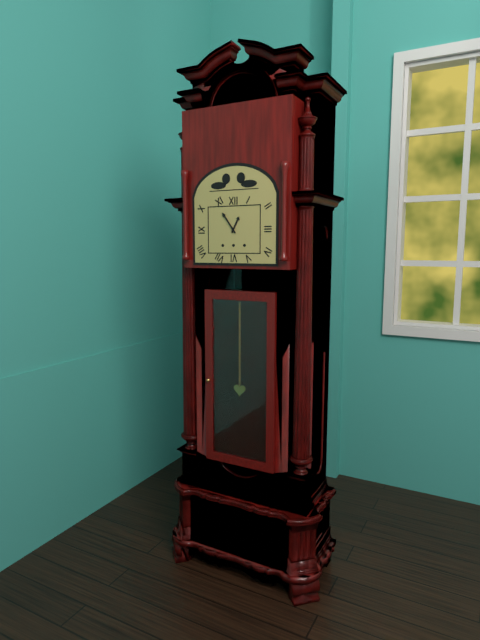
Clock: 12,54
